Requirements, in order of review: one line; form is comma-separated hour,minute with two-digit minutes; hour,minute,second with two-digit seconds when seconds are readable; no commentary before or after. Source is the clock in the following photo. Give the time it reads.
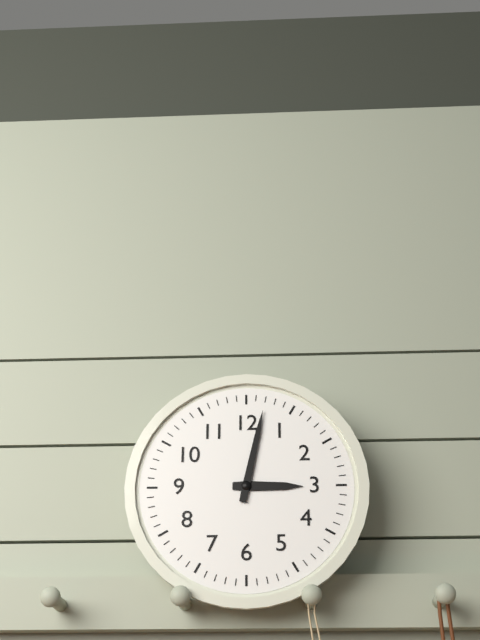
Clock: 3,02
